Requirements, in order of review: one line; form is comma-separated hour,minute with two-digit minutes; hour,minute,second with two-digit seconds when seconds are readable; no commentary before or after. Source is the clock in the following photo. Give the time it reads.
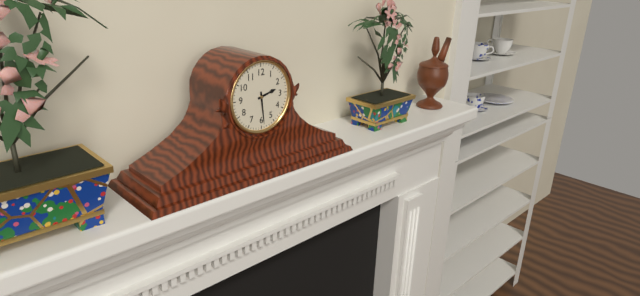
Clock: 2,29
